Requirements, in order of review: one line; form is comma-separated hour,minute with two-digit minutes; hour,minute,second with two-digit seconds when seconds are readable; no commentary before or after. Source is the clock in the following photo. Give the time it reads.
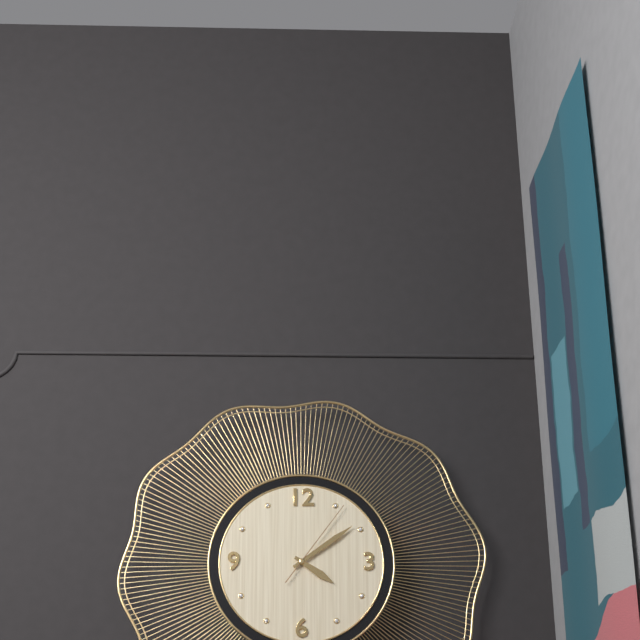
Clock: 4,09,06
